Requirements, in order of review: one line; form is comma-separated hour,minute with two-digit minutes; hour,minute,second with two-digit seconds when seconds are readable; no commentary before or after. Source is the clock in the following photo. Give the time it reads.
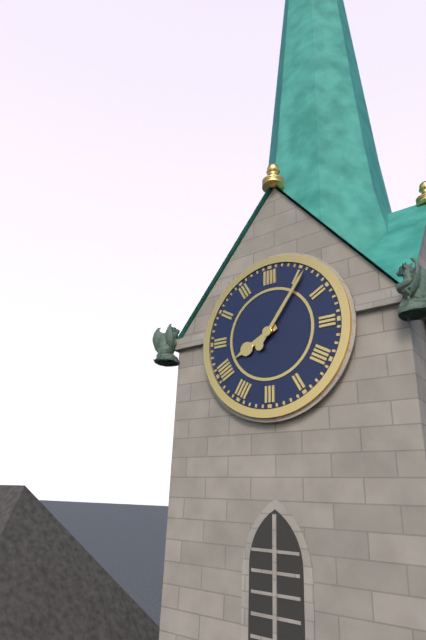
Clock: 8,06
